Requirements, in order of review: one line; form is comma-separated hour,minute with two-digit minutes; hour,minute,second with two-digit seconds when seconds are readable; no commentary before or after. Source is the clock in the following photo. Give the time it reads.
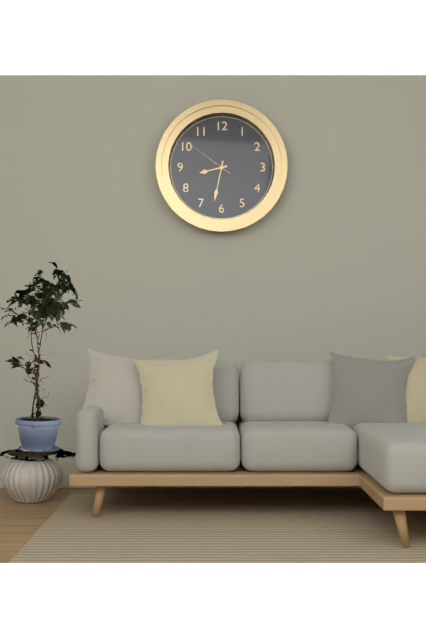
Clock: 8,32,51
